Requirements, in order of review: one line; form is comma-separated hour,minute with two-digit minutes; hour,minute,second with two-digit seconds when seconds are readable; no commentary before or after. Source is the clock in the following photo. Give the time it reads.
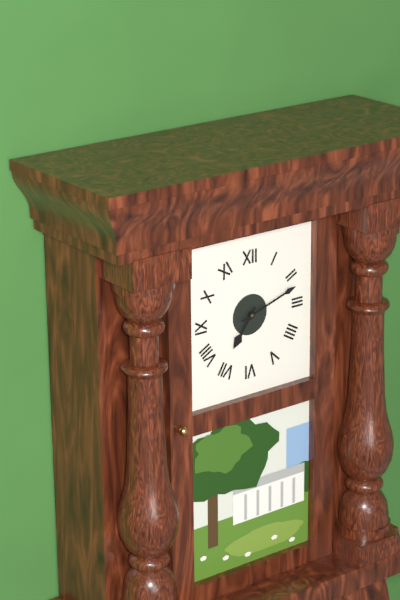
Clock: 7,12
